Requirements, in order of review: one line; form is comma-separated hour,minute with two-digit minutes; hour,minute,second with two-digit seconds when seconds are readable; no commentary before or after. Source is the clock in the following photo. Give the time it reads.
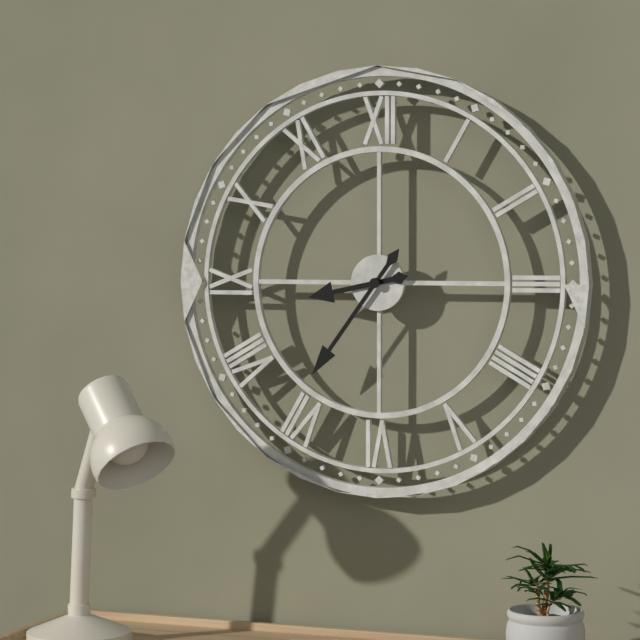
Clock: 8,36
